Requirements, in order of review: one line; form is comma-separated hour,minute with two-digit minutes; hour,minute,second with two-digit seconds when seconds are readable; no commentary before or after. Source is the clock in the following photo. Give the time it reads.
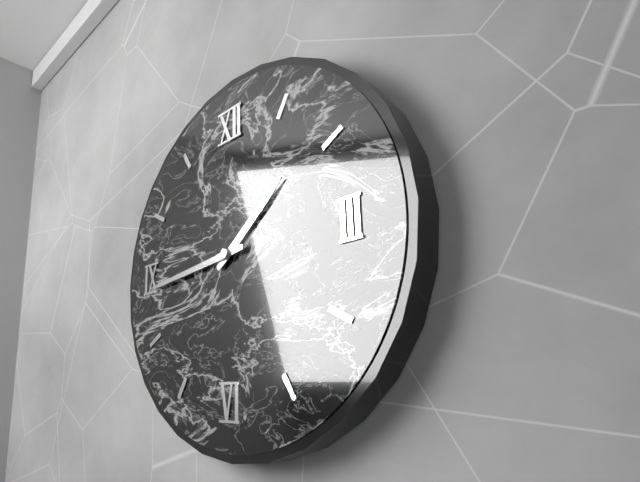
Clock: 1,44
